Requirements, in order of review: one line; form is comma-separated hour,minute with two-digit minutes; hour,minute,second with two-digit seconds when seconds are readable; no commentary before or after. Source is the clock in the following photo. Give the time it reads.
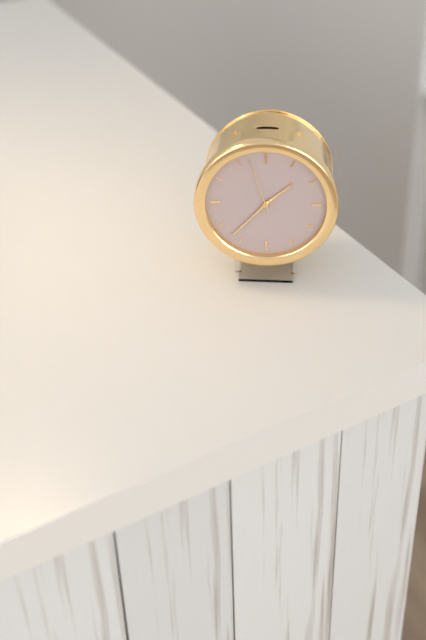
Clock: 1,37,57
